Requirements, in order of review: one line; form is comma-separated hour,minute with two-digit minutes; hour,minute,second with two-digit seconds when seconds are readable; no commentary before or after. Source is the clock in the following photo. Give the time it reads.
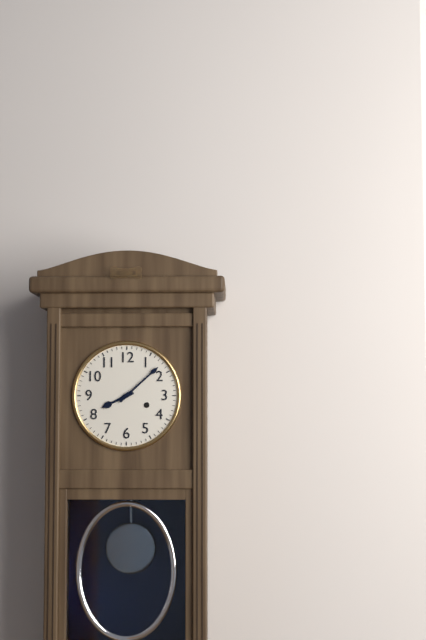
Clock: 8,08
